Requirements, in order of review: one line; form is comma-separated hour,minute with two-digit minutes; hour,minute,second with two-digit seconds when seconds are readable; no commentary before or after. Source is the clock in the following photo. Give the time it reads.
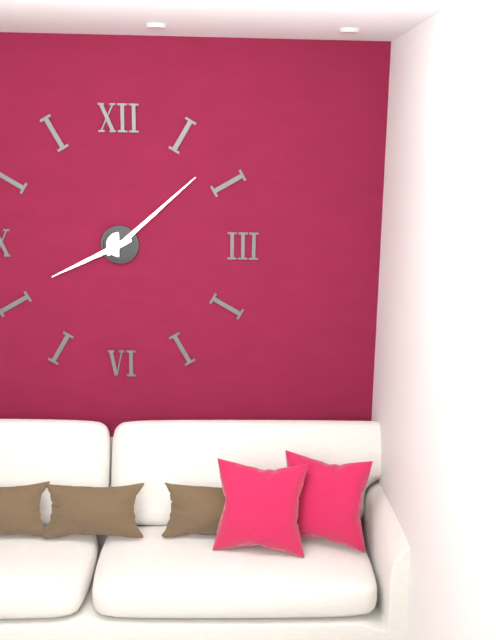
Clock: 8,08
